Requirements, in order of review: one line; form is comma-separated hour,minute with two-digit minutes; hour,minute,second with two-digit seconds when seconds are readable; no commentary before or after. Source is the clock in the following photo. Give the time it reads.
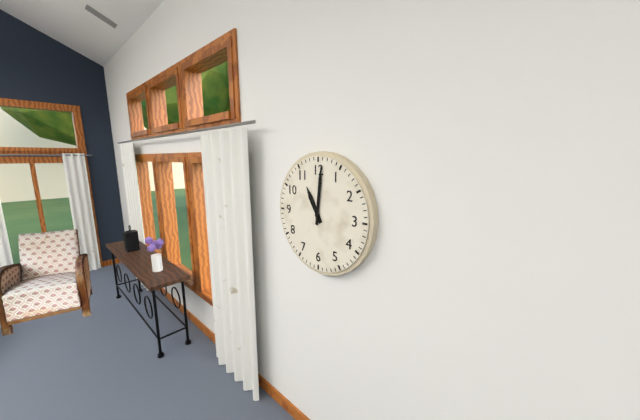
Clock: 11,01
